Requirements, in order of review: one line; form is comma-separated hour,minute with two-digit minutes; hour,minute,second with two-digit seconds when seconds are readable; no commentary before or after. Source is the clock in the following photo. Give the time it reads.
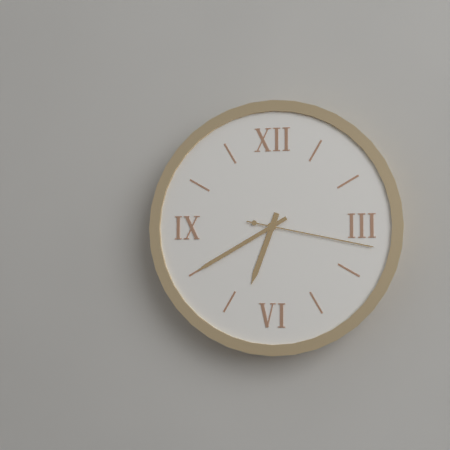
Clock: 6,40,17
